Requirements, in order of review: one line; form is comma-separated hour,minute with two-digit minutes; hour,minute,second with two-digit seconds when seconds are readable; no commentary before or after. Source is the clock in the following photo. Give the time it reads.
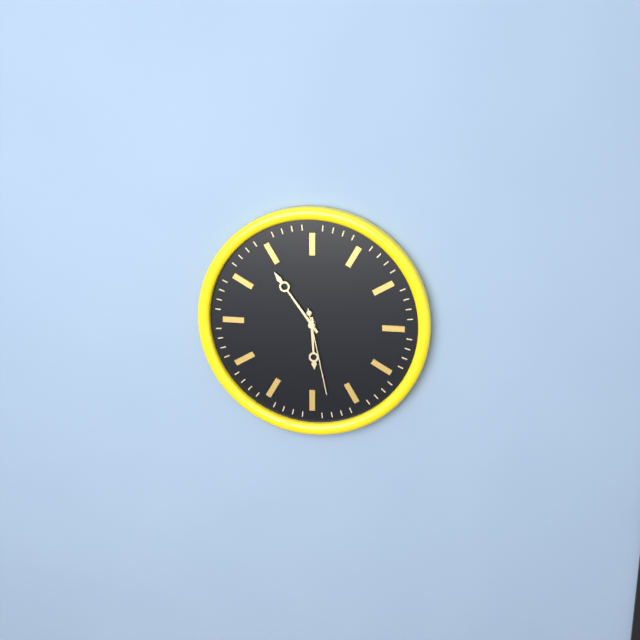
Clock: 5,54,28
